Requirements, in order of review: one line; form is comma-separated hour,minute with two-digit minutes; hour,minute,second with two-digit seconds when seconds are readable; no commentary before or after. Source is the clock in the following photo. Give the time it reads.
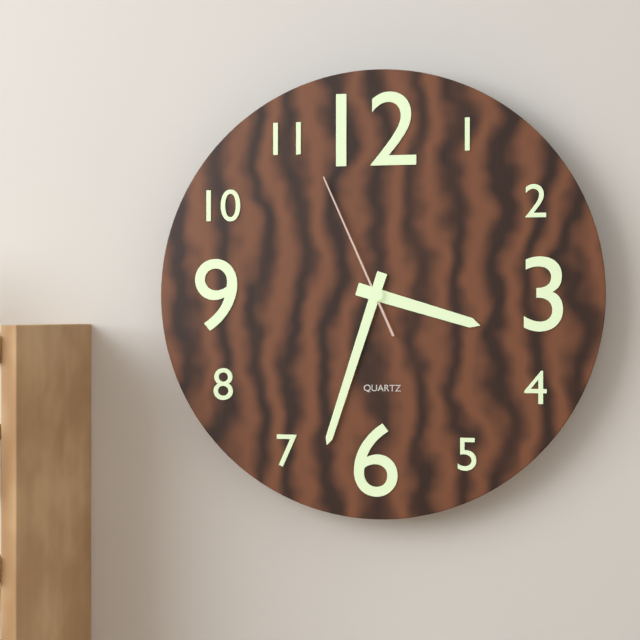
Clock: 3,33,56
